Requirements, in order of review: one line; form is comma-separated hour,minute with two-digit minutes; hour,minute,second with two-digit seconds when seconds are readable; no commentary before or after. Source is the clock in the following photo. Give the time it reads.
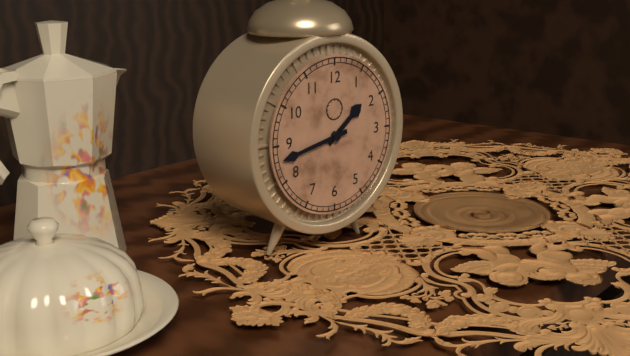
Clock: 1,43
